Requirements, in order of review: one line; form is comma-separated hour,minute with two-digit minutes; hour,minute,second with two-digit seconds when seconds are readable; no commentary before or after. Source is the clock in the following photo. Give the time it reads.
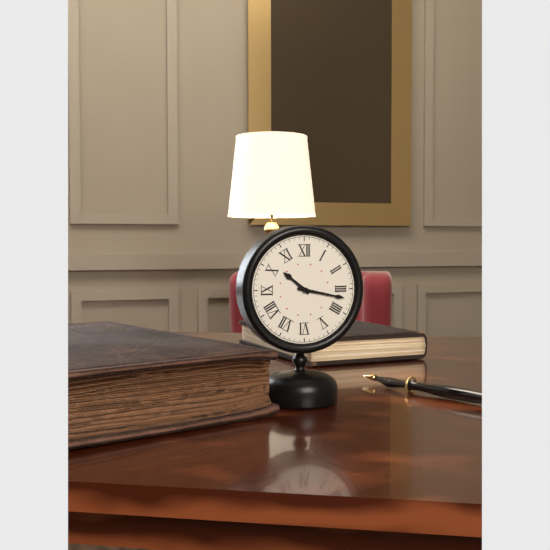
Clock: 10,17
